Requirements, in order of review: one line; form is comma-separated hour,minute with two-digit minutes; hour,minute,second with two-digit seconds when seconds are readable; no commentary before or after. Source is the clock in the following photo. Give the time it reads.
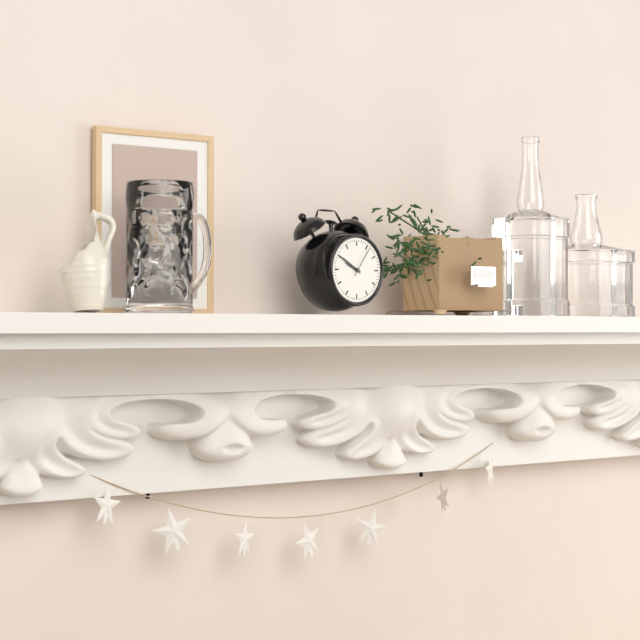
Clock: 9,50
